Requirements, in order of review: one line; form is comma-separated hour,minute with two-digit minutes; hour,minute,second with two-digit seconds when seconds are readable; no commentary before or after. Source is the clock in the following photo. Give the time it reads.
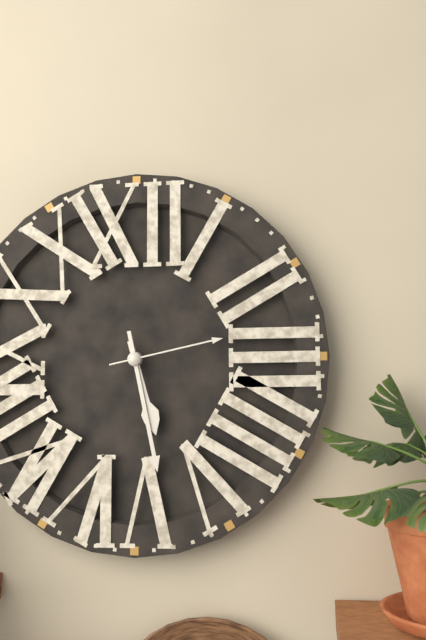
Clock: 5,28,13
